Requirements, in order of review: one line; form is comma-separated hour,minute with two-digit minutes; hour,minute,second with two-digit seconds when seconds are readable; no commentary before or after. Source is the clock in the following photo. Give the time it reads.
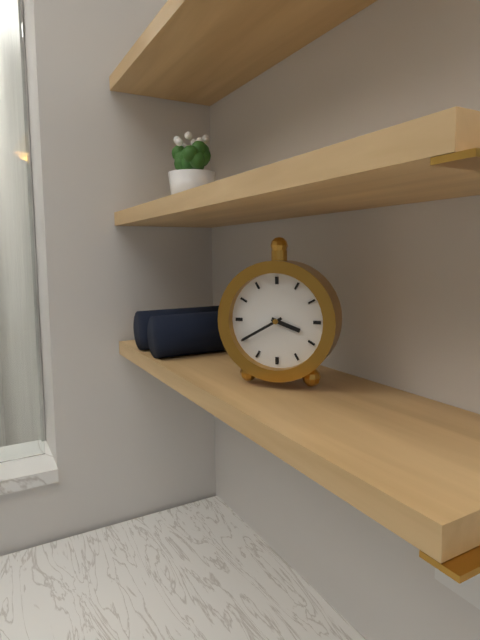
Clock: 3,40
